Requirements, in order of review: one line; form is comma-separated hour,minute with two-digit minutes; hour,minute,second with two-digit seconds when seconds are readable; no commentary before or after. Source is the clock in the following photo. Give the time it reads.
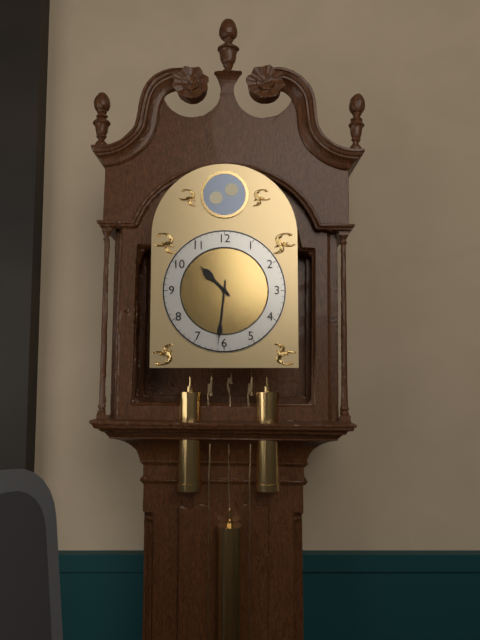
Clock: 10,31
